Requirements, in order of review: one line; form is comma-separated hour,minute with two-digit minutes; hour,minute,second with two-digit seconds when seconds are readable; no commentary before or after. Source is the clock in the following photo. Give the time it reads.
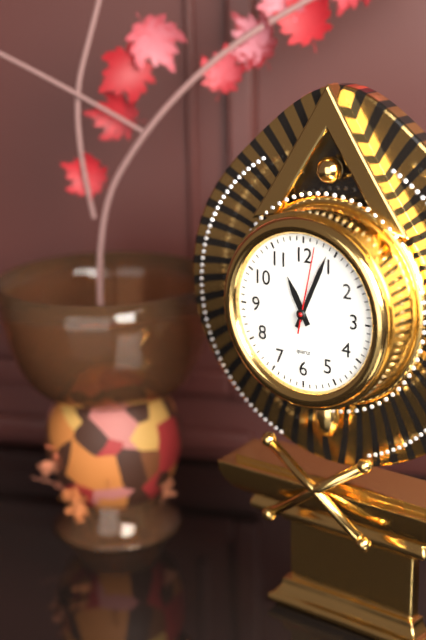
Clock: 11,04,02
